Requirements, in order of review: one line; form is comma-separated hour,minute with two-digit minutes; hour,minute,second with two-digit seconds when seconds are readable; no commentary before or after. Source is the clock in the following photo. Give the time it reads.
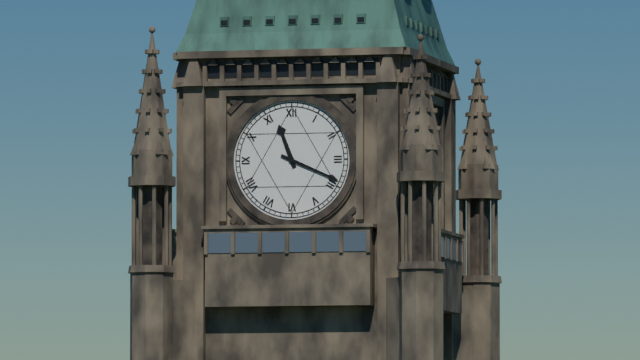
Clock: 11,19
